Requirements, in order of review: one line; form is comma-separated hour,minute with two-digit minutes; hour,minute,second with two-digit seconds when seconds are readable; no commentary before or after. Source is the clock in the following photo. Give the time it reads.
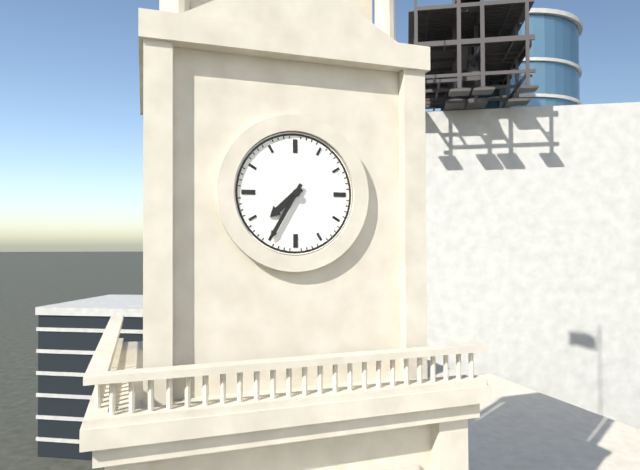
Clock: 7,35
